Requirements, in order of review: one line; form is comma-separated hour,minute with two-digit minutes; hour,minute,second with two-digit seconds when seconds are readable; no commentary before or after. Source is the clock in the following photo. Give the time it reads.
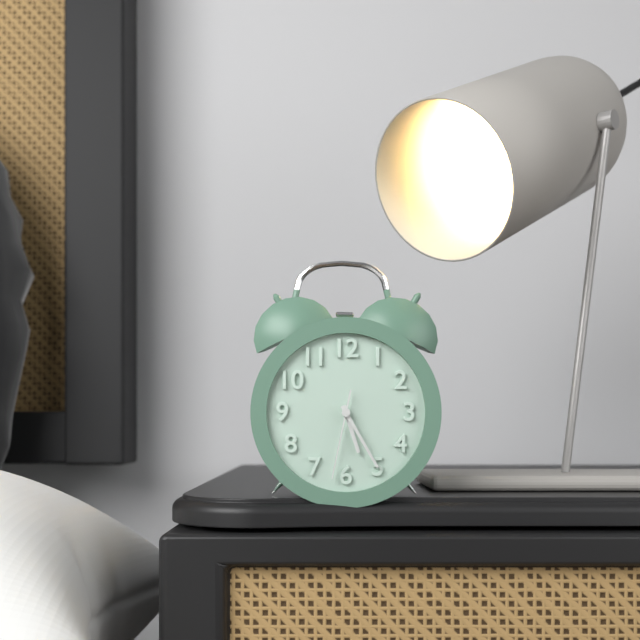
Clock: 5,25,32
